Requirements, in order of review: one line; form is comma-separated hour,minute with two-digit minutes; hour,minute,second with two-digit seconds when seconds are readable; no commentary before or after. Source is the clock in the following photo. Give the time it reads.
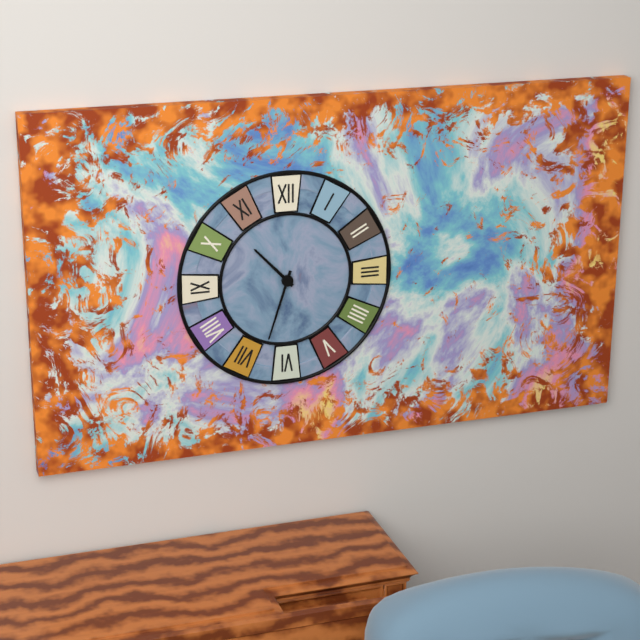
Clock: 10,33
